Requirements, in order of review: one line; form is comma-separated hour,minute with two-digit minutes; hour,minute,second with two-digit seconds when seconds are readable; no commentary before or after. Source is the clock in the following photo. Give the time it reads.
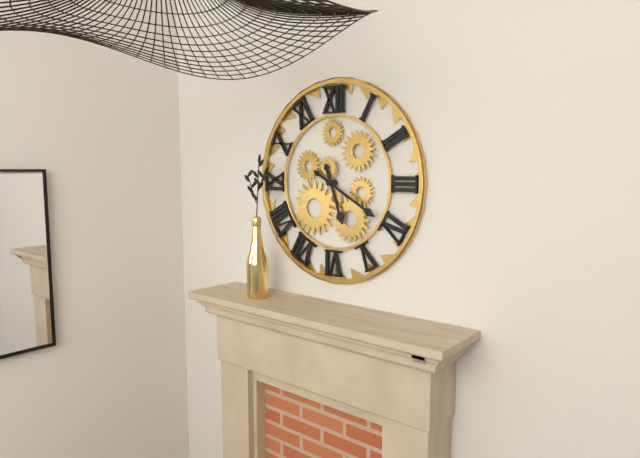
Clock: 5,20
